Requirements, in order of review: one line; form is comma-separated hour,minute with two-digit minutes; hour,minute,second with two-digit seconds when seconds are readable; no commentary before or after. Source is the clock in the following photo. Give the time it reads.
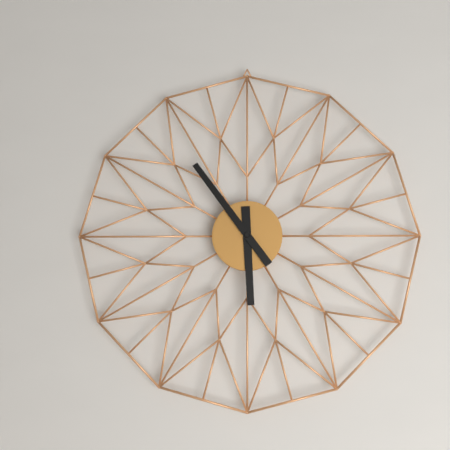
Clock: 5,54
